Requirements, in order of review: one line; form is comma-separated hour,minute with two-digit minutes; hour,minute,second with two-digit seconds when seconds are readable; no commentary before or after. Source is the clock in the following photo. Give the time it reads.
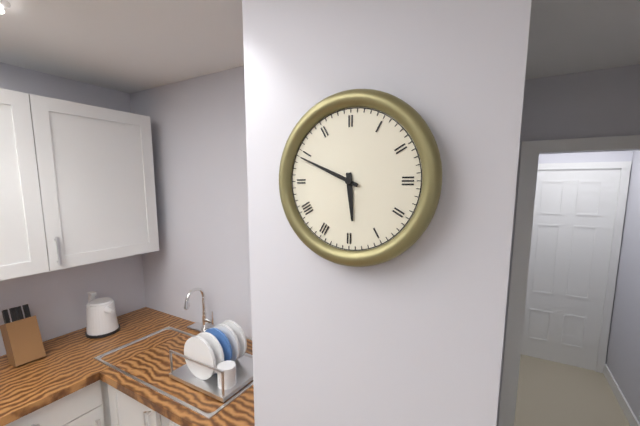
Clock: 5,49
